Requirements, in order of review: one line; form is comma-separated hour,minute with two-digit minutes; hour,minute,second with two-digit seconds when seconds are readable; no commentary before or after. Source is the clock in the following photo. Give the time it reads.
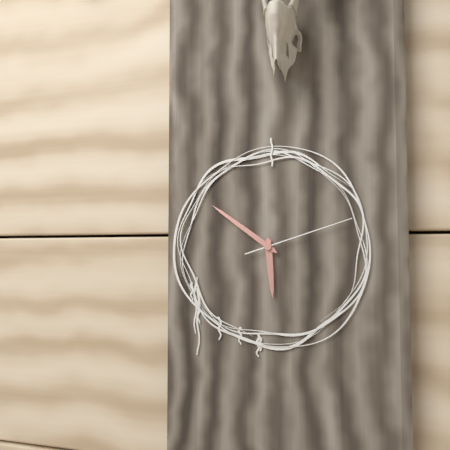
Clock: 5,51,12
